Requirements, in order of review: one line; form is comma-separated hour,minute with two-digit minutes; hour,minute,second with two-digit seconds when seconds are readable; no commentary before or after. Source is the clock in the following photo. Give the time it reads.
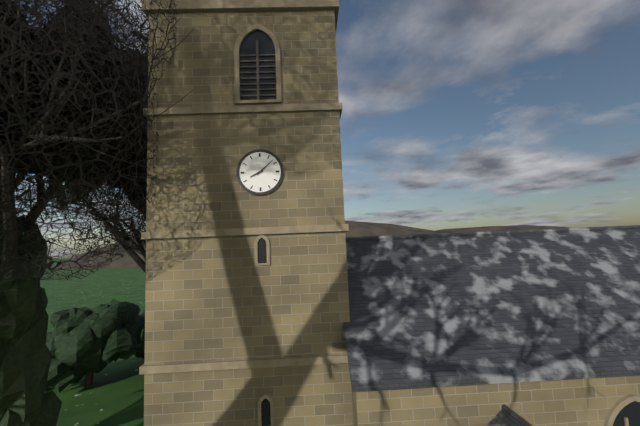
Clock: 8,08
